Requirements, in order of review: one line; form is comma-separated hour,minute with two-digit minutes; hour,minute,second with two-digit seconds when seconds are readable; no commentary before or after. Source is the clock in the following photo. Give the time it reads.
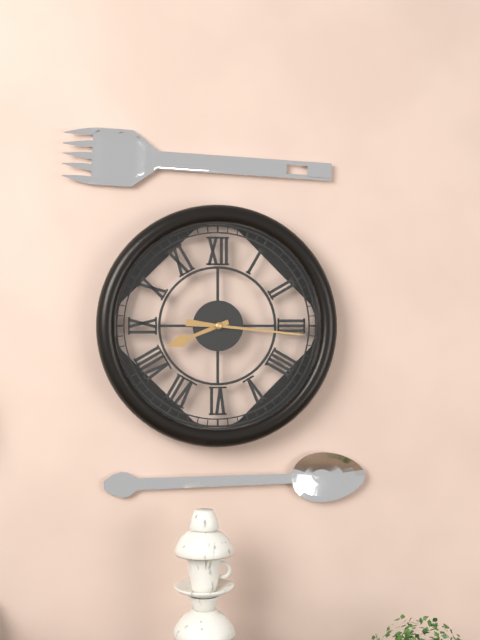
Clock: 8,16
